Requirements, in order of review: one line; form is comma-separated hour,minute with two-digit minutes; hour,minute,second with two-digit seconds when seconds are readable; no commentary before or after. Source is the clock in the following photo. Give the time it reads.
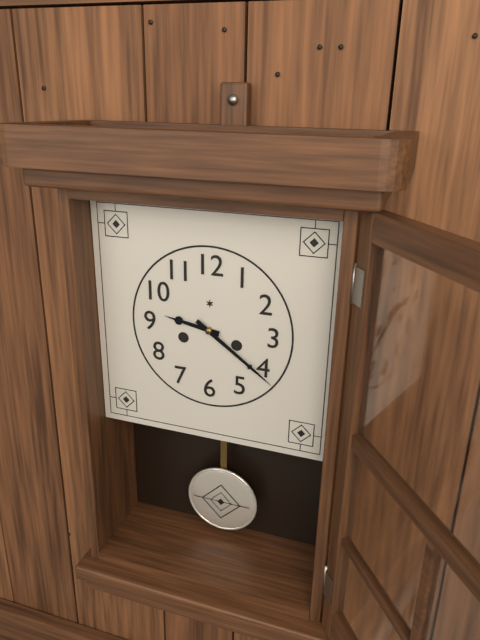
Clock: 9,21
